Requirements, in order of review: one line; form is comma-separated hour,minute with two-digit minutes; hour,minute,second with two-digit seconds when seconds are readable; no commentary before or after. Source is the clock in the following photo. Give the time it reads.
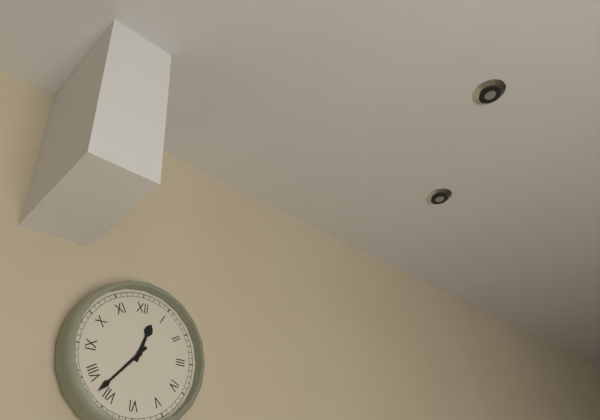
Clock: 12,37
